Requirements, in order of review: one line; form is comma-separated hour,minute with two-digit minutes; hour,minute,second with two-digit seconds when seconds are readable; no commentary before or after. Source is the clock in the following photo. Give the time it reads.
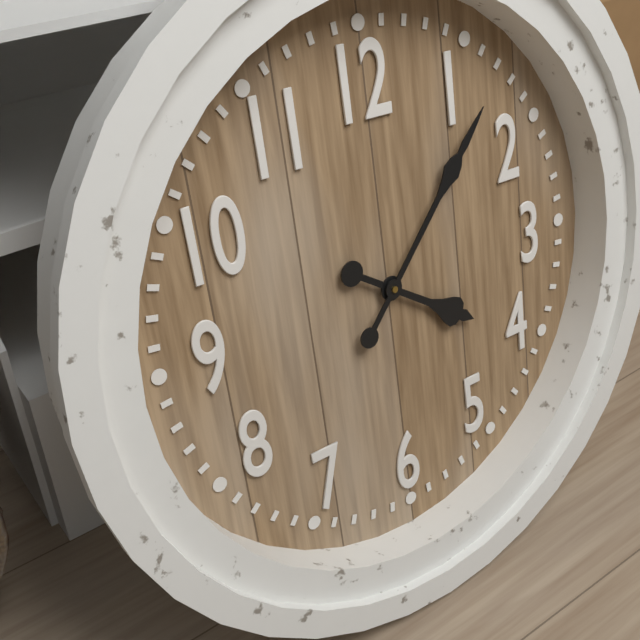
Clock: 4,07
